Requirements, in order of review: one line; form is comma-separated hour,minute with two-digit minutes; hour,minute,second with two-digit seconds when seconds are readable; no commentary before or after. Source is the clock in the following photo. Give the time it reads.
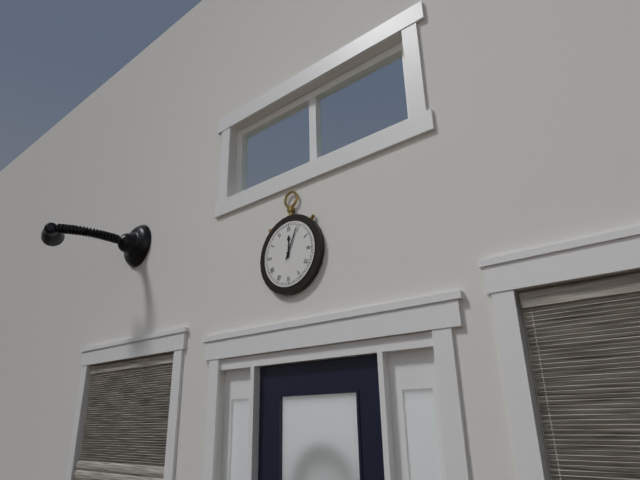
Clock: 12,04
